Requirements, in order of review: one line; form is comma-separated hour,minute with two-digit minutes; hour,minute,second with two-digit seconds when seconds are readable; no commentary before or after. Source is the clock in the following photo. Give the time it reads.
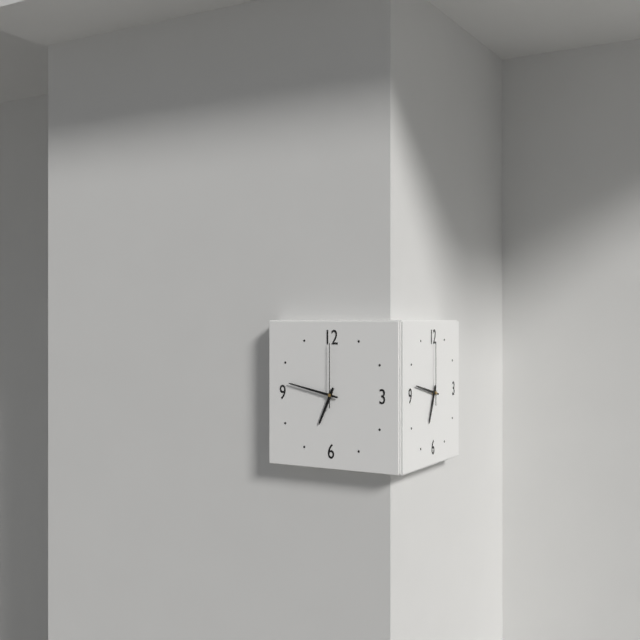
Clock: 6,47,00
